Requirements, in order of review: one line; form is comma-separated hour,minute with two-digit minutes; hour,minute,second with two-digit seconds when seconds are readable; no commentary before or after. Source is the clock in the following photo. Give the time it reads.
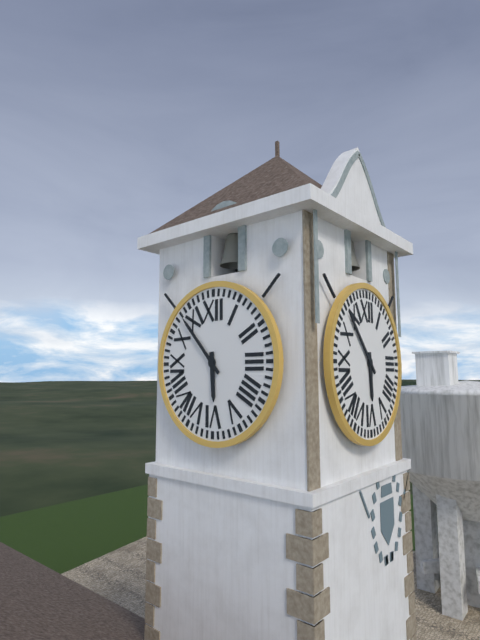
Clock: 5,53
